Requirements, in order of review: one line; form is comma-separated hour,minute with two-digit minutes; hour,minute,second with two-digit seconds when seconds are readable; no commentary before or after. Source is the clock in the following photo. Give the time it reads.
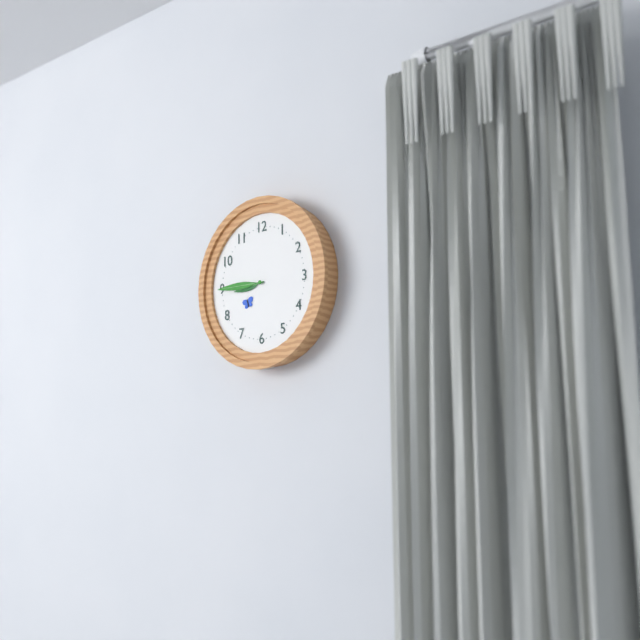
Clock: 8,45
